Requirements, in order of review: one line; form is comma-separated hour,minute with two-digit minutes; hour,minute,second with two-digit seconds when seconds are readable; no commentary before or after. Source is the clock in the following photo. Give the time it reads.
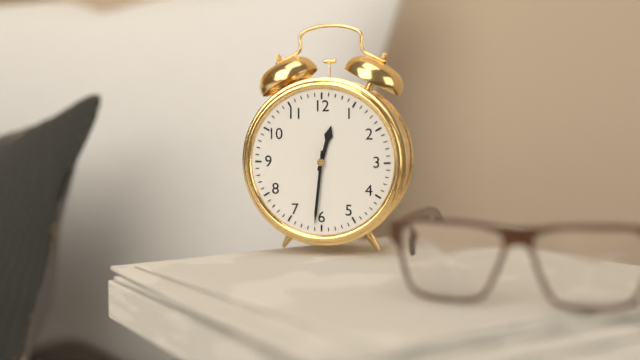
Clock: 12,31
